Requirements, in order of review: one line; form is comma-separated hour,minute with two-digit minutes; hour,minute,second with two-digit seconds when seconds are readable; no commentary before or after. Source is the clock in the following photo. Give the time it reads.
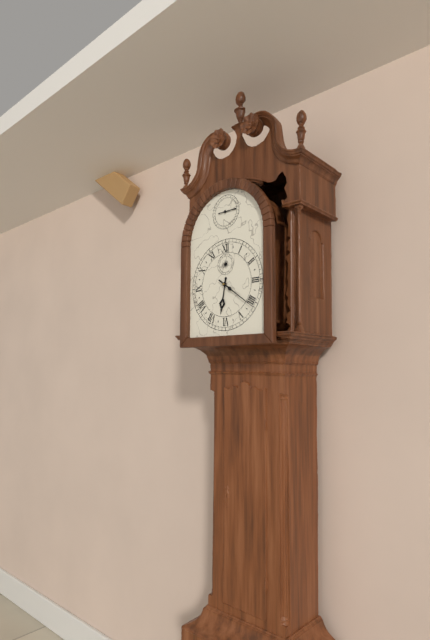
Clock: 6,21
